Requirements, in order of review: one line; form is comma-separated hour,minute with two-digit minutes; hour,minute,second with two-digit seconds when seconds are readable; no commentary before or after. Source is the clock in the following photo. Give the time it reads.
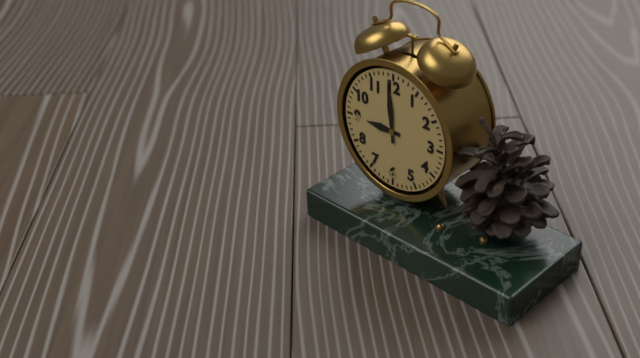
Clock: 8,59
